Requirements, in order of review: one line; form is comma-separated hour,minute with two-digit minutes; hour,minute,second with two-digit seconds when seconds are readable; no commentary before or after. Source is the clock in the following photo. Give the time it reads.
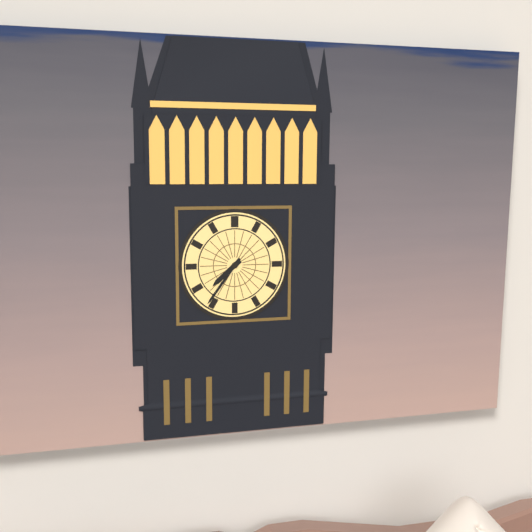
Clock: 7,36
